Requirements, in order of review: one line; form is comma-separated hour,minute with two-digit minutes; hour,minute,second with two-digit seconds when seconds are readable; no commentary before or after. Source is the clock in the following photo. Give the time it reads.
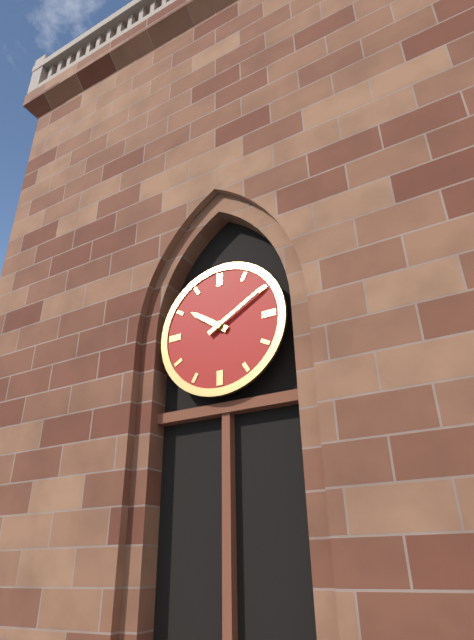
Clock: 10,10
